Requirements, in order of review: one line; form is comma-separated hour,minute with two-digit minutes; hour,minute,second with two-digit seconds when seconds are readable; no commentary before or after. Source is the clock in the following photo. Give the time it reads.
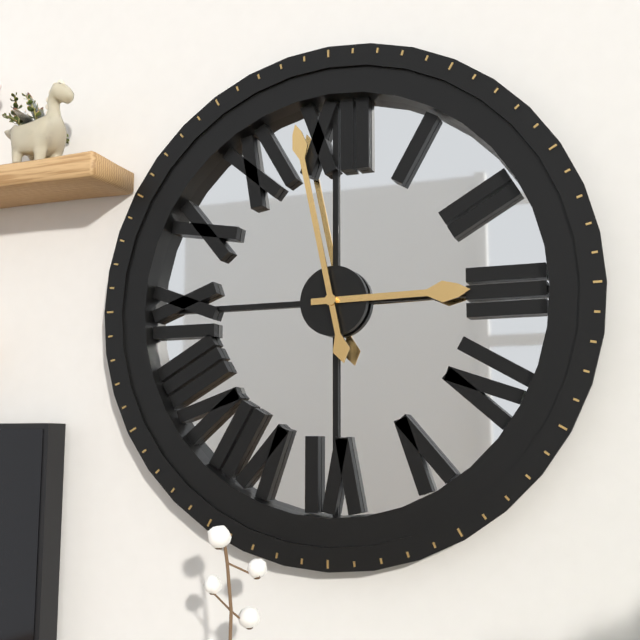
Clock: 2,58
